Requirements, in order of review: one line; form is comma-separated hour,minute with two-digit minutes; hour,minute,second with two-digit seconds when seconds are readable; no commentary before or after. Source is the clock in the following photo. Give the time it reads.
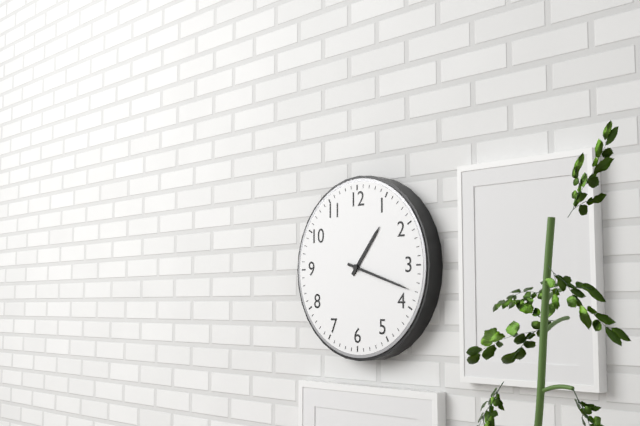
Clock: 1,18
